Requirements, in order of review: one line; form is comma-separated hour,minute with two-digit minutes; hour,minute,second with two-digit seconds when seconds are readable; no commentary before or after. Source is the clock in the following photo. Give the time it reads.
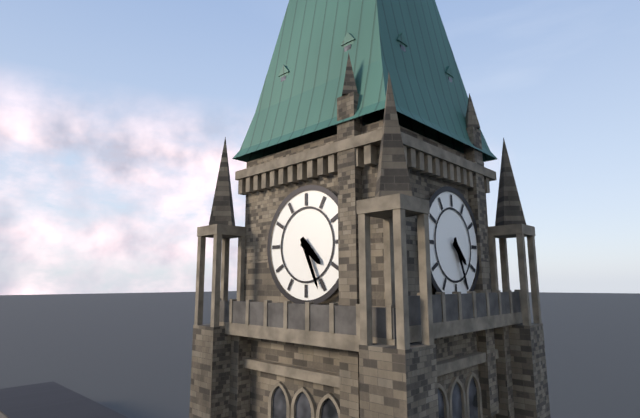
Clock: 4,26
